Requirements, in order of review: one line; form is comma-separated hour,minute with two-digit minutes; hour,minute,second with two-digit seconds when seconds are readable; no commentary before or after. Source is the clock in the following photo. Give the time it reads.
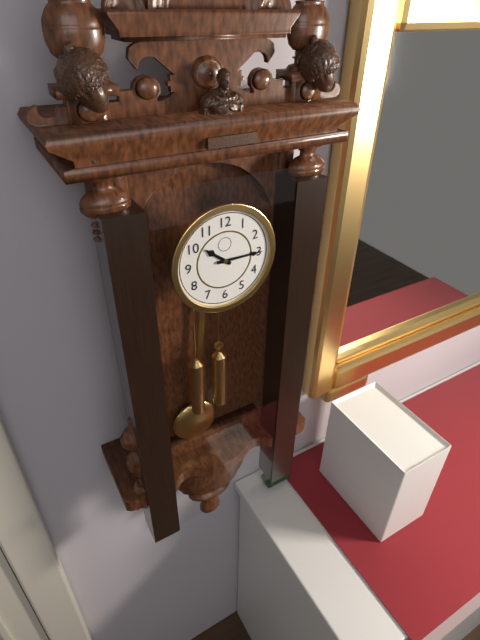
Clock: 10,15
